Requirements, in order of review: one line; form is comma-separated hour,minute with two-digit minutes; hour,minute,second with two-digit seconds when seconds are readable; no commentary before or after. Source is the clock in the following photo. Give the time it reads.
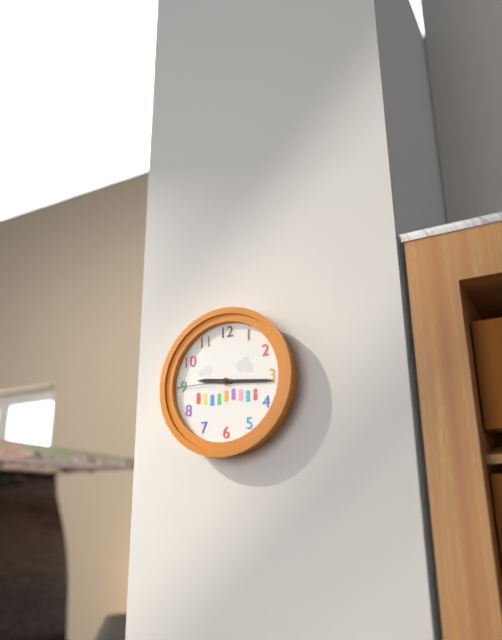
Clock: 9,16,45
